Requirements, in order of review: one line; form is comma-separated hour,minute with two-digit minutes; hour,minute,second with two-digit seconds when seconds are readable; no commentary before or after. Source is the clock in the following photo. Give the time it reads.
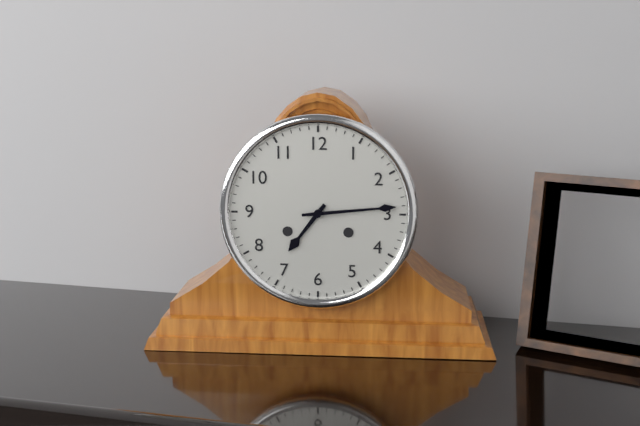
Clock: 7,14
